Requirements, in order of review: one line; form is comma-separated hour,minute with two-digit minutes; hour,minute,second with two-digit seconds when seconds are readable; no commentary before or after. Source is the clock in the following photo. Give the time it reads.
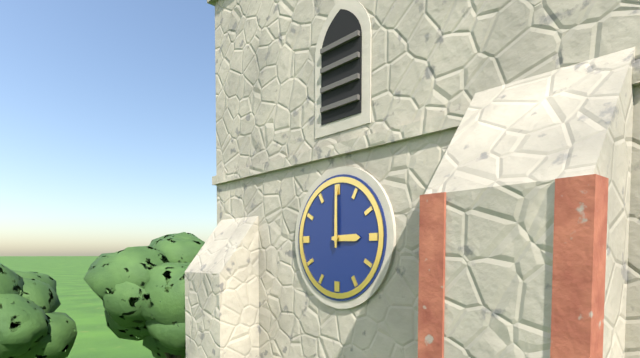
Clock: 3,00
